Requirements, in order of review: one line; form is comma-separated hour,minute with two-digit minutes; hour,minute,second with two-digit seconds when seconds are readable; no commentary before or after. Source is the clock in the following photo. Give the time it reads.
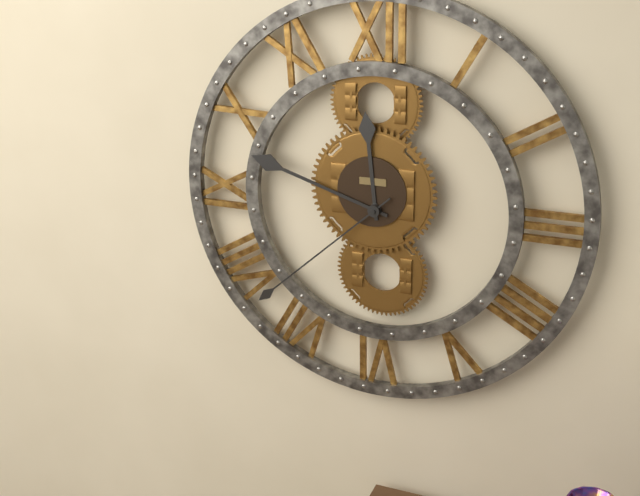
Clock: 11,48,38
